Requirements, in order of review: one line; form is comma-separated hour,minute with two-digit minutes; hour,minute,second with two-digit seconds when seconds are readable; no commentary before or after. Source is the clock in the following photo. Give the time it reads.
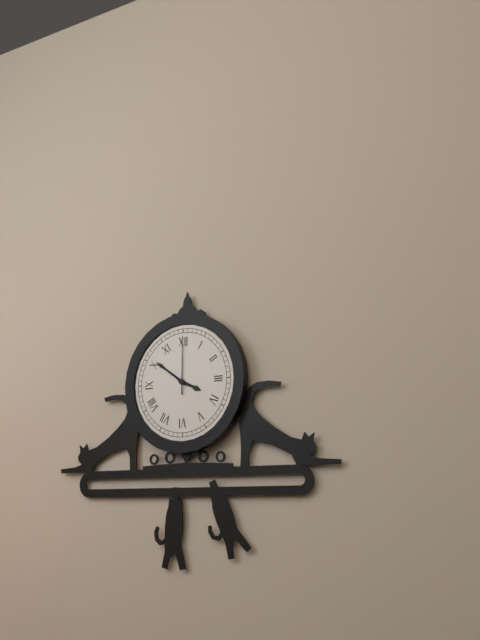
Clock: 3,51,00
